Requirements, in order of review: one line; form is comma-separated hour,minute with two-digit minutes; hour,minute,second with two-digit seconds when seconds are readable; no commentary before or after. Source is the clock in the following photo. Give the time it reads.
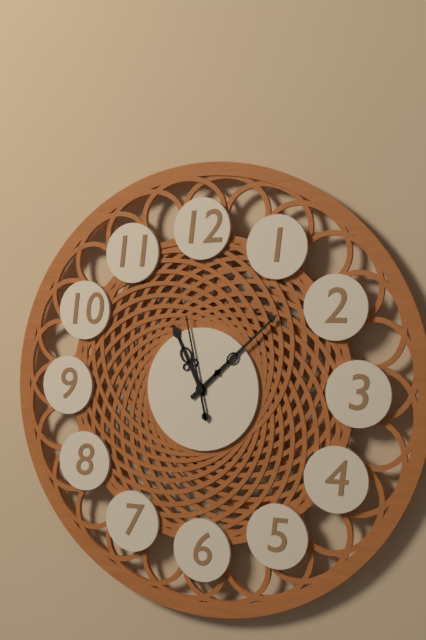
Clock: 11,08,58
